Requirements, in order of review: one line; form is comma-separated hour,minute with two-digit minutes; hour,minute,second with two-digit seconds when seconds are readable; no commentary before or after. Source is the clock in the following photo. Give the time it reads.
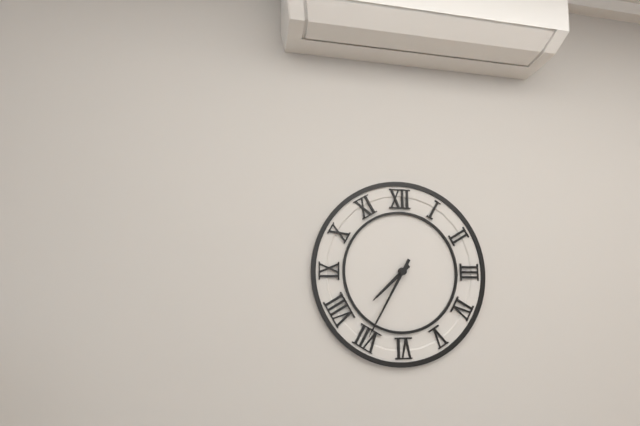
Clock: 7,35
